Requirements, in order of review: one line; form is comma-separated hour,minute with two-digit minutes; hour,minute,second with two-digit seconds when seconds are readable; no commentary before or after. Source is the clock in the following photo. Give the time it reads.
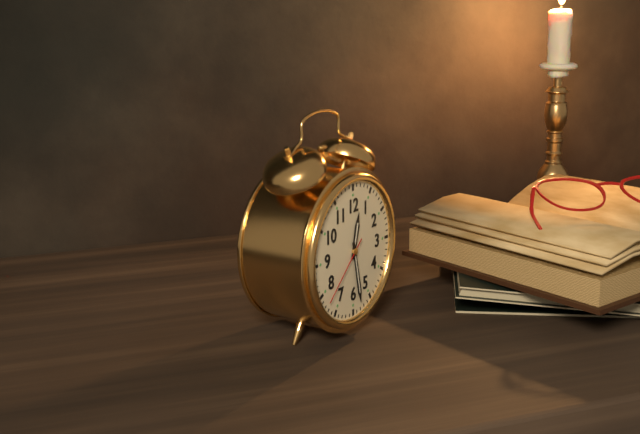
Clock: 12,28,38
